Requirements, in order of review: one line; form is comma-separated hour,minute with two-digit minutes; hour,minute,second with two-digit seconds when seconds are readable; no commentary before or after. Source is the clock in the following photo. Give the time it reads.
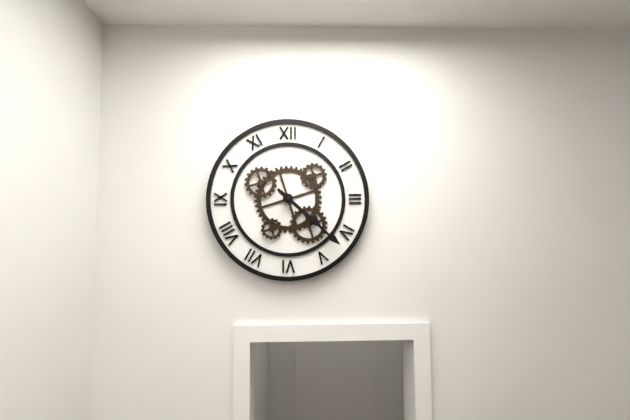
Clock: 4,22
